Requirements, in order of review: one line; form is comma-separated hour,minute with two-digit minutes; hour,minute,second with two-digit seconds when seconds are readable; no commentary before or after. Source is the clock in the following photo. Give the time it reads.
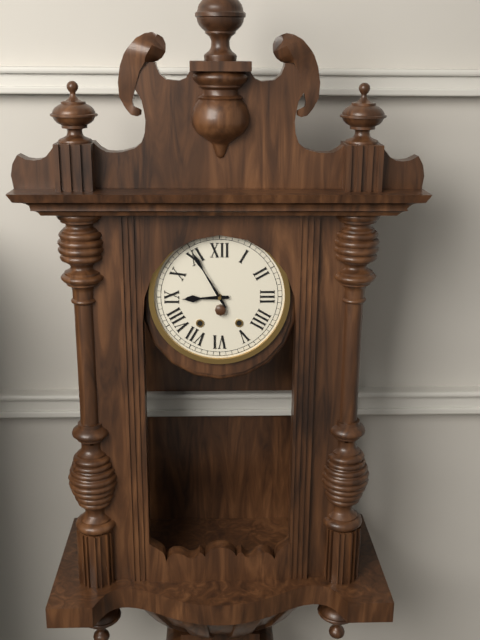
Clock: 8,55
